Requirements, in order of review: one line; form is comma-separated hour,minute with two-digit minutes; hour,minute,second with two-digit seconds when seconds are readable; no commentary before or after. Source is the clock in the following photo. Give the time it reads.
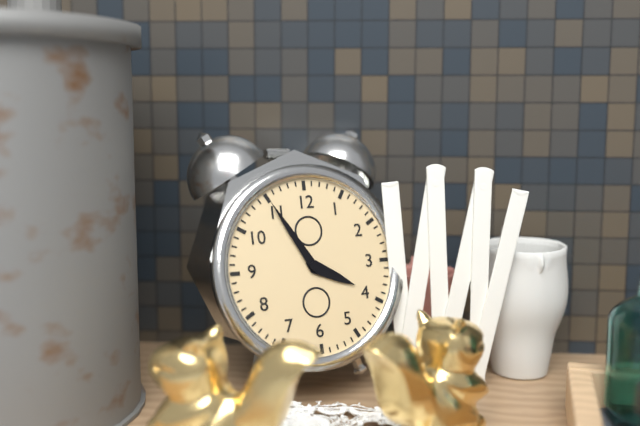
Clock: 3,55
